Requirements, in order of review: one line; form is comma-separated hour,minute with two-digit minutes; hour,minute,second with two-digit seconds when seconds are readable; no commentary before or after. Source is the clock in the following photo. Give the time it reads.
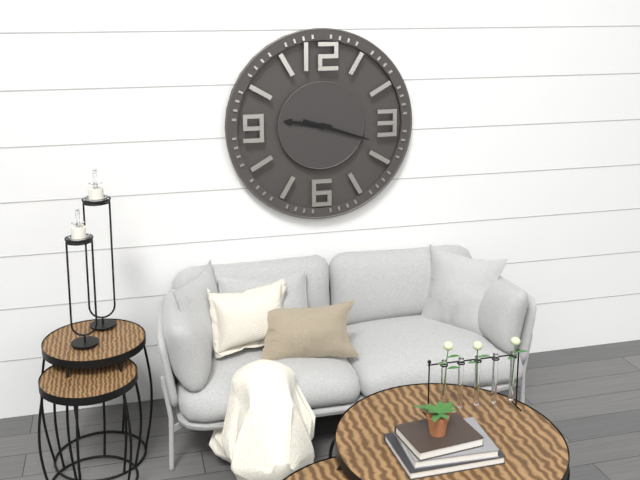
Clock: 9,18
